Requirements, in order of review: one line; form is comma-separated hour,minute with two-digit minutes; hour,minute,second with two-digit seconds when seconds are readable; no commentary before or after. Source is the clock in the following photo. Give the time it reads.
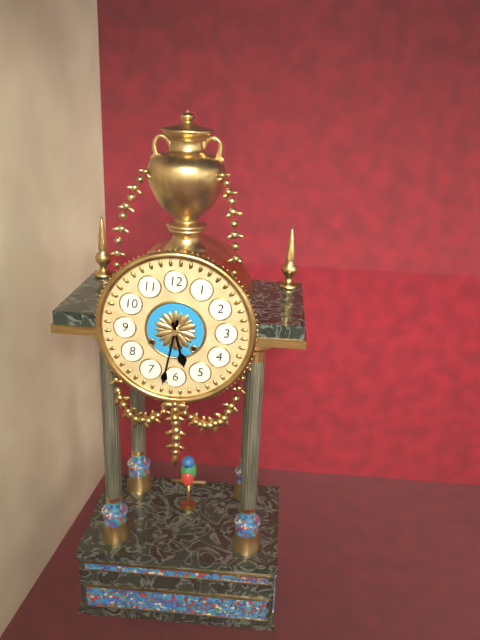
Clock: 5,32
